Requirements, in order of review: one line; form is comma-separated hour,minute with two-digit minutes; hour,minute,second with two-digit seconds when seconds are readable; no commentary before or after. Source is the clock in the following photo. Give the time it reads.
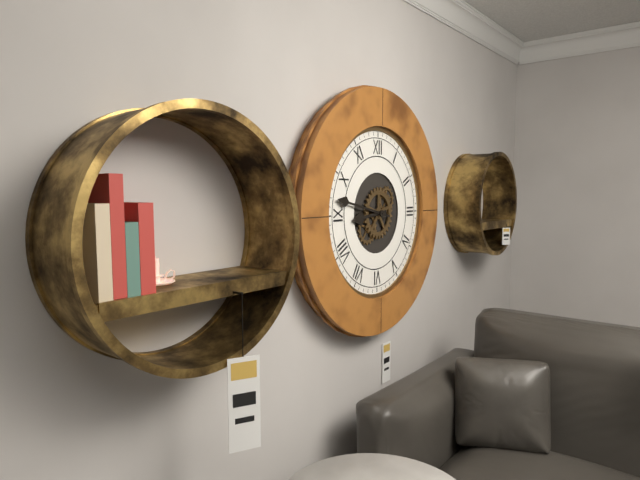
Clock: 8,47
